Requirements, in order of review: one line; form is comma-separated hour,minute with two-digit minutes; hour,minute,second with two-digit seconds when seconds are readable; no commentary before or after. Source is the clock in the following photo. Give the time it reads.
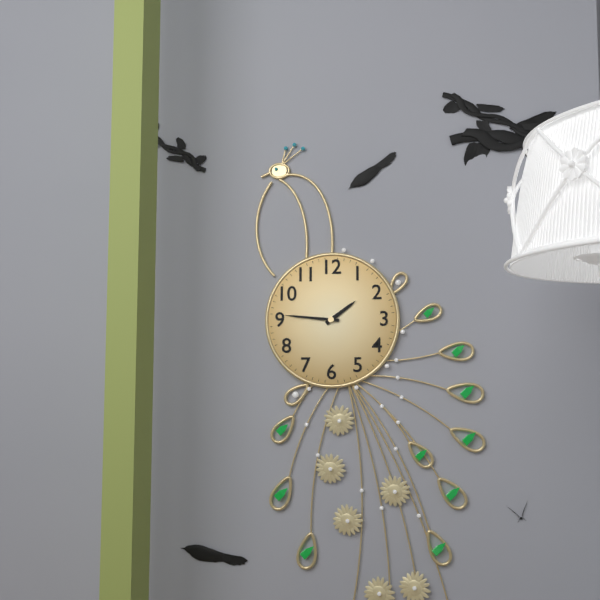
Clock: 1,46
